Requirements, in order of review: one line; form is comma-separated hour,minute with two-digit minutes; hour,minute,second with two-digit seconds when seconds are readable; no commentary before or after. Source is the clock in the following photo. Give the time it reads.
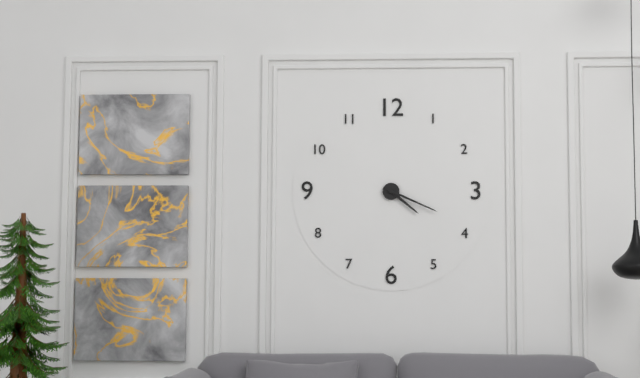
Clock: 4,19
